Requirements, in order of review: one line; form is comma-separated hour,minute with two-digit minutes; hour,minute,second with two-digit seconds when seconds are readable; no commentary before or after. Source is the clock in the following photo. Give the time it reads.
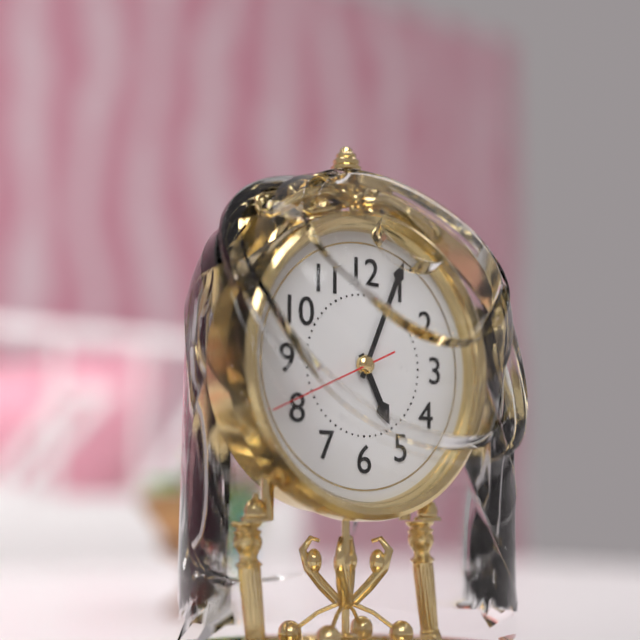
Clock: 5,04,41
